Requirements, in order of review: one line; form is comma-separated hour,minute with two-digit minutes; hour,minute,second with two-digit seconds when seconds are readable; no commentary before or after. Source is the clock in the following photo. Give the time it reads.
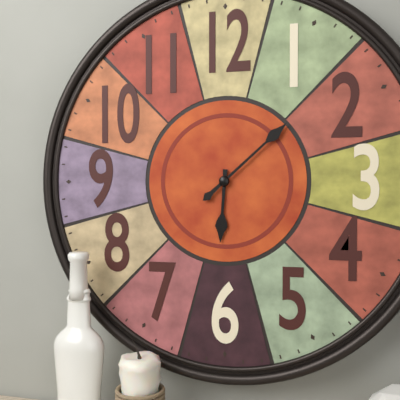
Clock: 6,08
